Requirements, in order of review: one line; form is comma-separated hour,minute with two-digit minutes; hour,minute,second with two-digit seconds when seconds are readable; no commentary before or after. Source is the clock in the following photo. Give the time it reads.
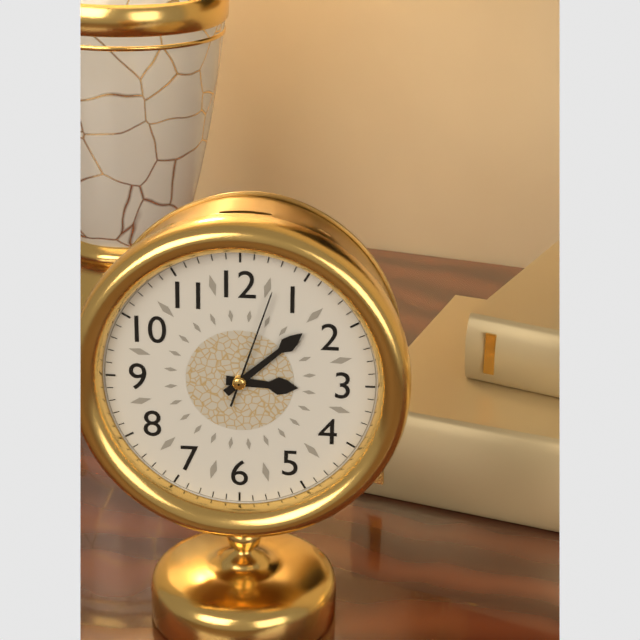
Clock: 3,08,03
